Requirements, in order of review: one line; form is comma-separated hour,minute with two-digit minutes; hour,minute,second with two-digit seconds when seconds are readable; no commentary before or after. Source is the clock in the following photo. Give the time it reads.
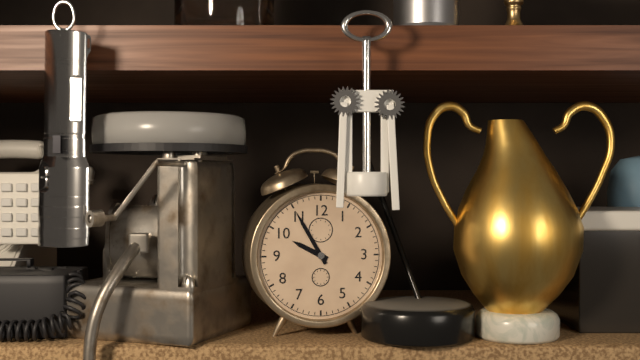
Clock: 9,55
